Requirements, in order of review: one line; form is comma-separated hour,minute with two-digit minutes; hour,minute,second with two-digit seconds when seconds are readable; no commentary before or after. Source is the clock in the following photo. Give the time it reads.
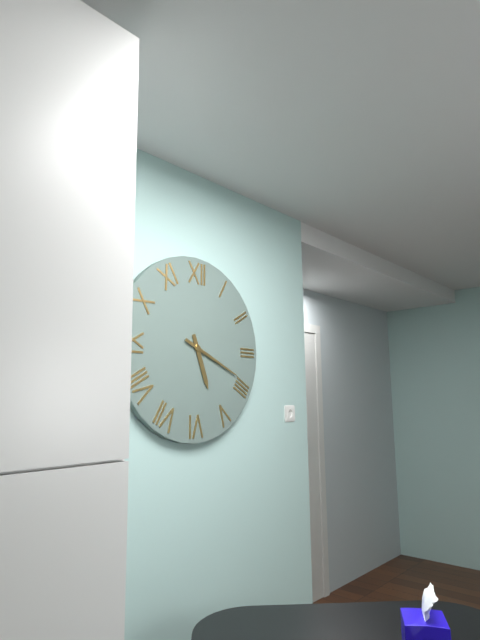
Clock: 5,19
